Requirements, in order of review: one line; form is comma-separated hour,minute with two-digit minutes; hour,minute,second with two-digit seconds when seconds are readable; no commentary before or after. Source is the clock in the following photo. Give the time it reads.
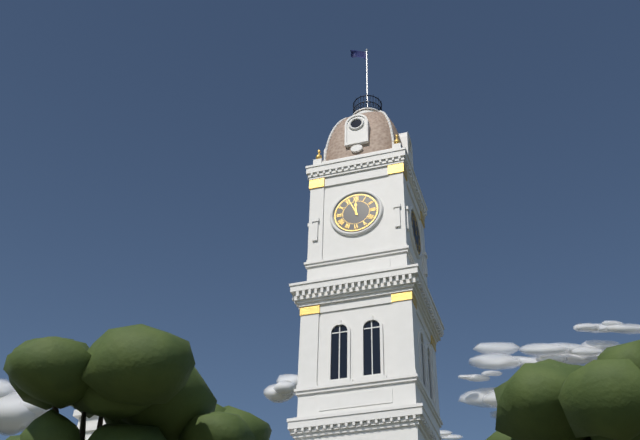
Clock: 11,56
